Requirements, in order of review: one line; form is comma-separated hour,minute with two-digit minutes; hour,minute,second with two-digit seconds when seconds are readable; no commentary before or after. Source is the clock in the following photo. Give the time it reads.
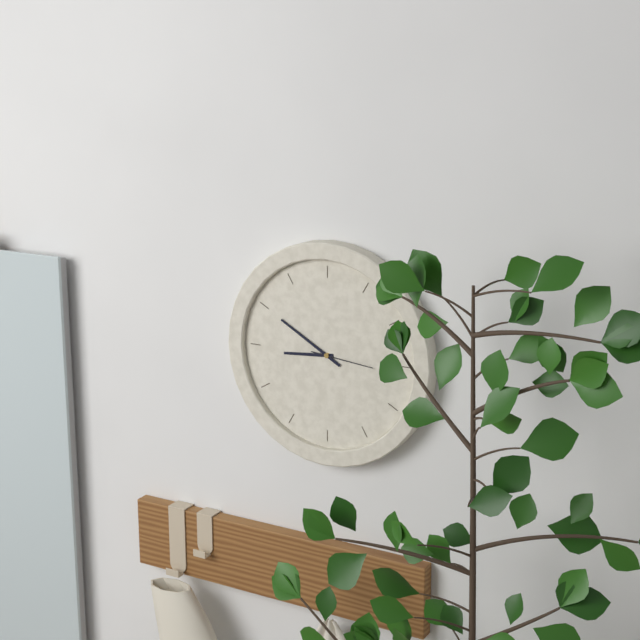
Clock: 8,50,16
